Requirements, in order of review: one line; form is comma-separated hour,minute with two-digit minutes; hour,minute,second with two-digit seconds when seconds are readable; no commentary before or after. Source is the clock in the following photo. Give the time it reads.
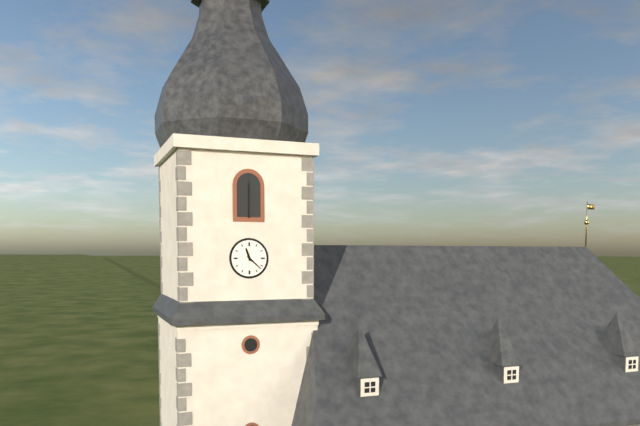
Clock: 11,22
